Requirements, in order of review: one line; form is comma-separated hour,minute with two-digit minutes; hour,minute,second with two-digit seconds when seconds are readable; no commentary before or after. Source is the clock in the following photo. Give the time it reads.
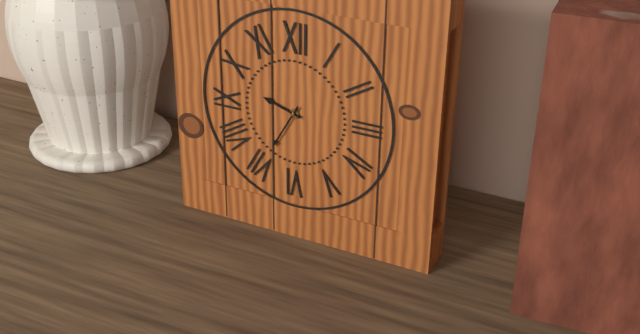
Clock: 9,35
